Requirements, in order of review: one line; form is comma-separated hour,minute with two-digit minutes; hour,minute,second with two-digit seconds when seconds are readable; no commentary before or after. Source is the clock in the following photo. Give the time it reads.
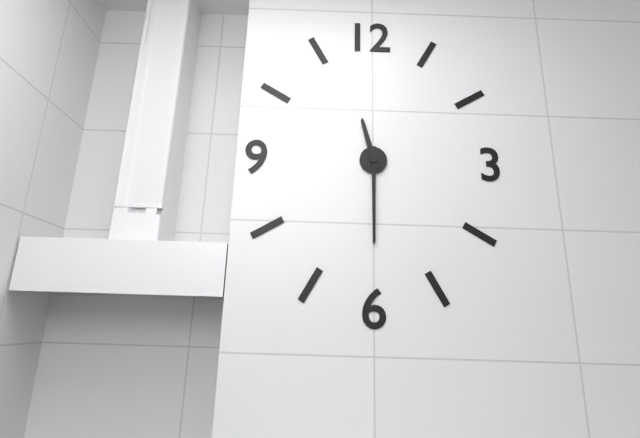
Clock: 11,30
